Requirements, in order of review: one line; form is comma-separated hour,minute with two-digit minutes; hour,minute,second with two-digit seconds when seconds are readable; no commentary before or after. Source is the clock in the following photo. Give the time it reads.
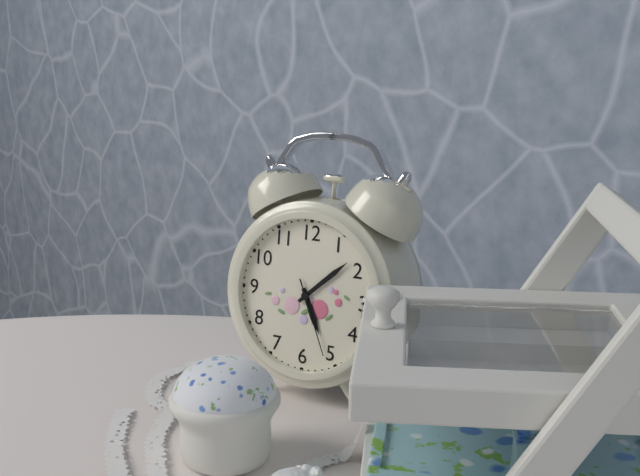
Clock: 5,08,26
